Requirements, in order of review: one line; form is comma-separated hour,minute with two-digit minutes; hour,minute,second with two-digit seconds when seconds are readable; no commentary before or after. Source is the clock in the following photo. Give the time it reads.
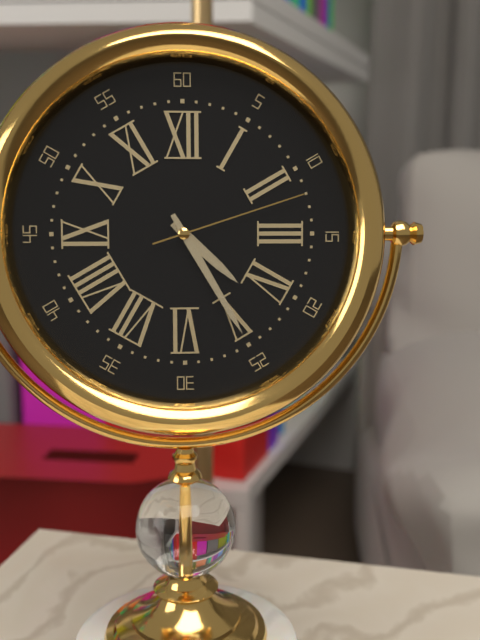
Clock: 4,25,12
